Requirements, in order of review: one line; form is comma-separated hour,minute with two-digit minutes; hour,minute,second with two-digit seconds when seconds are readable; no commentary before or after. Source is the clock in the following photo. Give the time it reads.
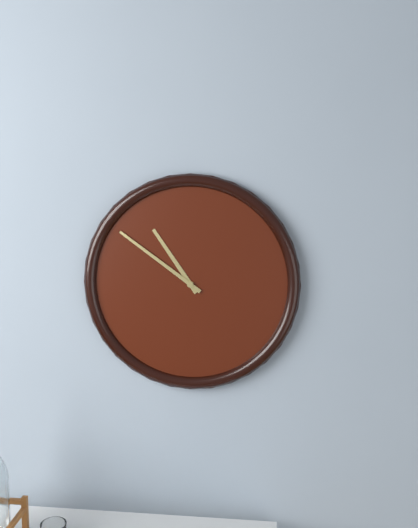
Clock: 10,51
